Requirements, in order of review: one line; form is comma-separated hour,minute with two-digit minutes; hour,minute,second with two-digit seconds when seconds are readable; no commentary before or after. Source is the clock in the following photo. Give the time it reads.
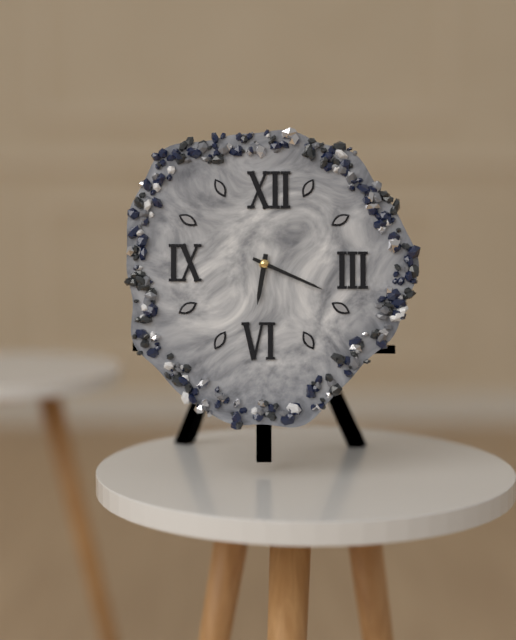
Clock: 6,19
